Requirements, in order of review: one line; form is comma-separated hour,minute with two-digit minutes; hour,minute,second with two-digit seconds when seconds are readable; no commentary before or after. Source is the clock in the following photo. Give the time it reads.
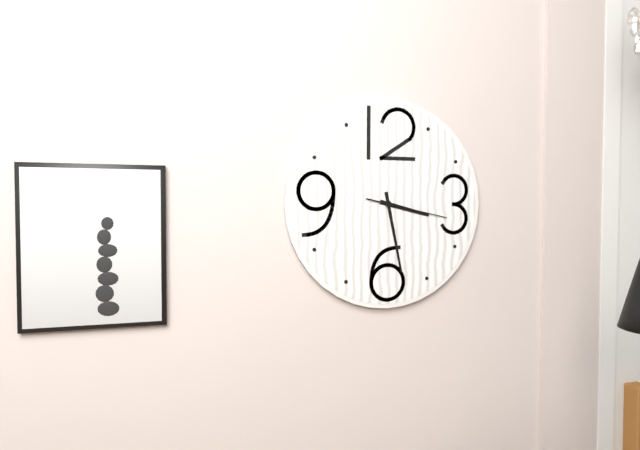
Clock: 3,28,17
